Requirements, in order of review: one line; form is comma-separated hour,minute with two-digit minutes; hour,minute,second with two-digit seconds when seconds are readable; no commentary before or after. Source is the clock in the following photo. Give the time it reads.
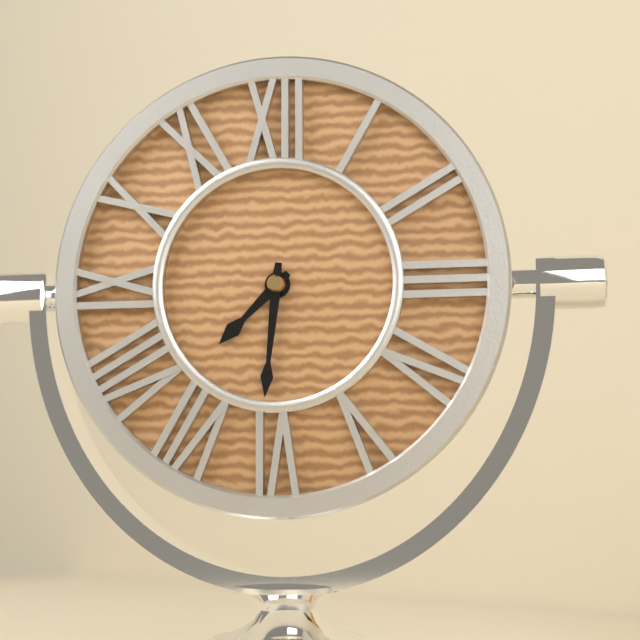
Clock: 7,31
